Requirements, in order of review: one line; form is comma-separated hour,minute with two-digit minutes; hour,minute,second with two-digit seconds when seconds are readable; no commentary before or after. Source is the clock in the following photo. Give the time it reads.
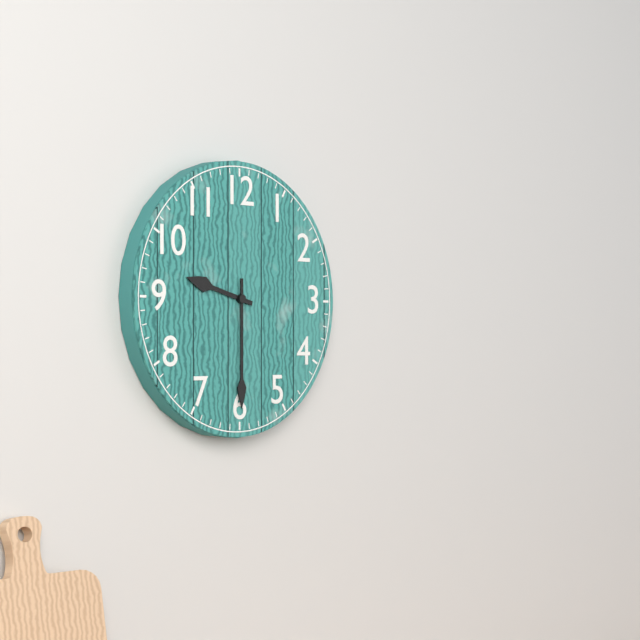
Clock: 9,30
